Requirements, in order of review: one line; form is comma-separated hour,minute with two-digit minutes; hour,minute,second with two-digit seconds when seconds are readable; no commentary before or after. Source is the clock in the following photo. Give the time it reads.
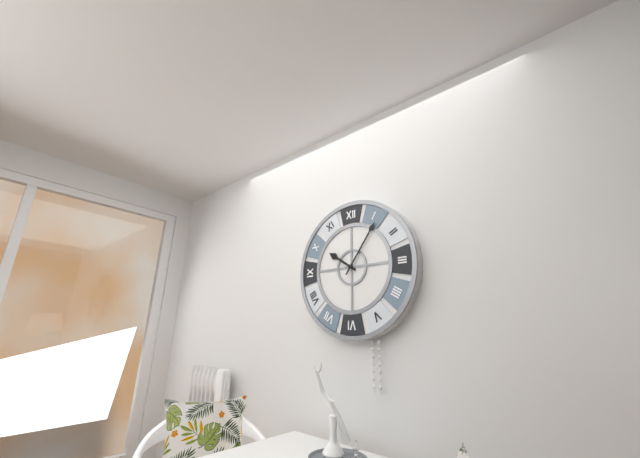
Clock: 10,06
